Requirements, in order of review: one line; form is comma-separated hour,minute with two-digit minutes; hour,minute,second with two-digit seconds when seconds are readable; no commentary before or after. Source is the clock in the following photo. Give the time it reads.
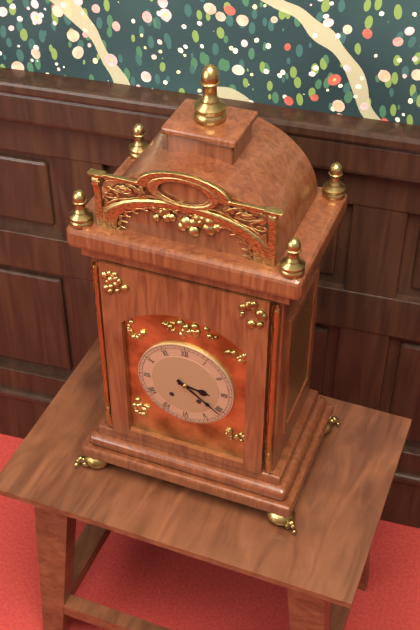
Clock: 3,21
